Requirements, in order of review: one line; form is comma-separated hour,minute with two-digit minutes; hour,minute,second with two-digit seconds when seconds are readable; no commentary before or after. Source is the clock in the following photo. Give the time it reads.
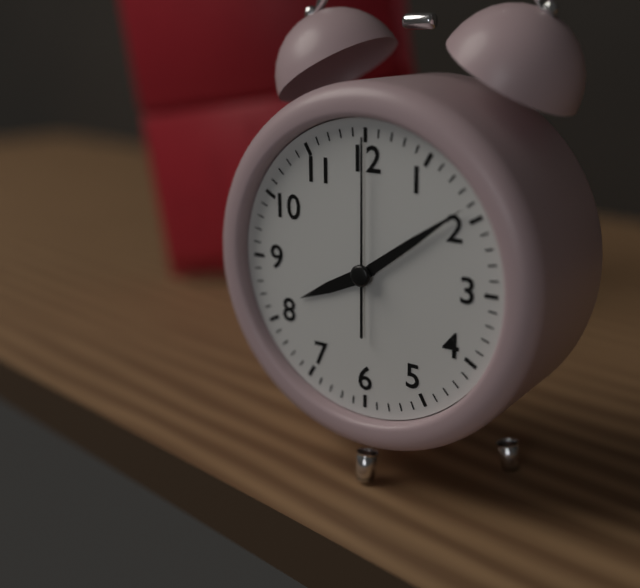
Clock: 8,09,00
